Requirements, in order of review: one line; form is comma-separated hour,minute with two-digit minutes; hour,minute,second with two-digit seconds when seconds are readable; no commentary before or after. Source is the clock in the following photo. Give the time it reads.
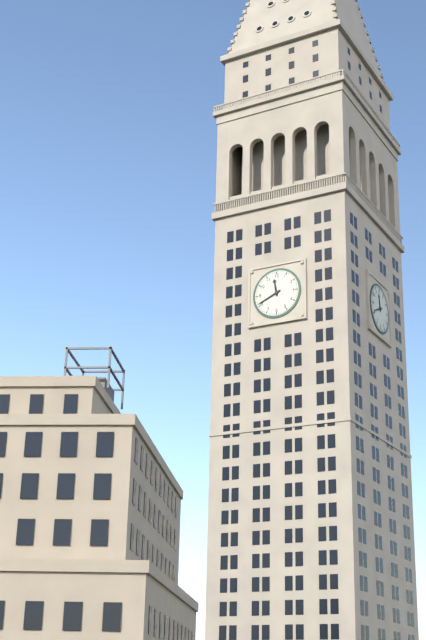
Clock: 11,41
